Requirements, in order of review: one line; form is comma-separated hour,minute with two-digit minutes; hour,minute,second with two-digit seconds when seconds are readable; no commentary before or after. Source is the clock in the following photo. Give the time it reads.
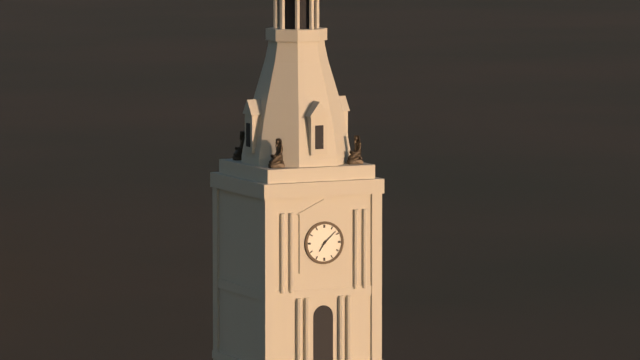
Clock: 7,08
